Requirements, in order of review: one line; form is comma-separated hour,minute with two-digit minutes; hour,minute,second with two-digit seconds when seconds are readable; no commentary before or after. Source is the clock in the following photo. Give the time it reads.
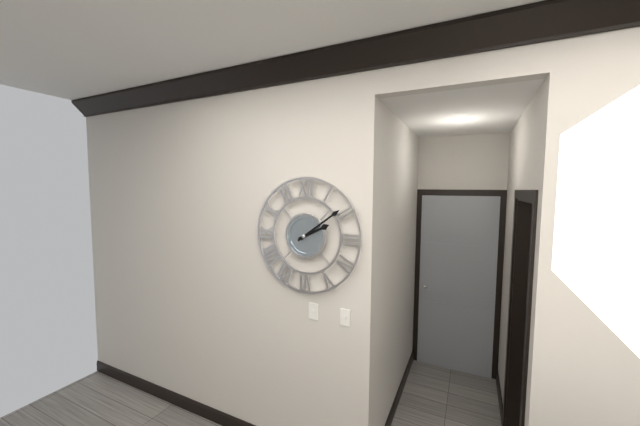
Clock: 2,09
